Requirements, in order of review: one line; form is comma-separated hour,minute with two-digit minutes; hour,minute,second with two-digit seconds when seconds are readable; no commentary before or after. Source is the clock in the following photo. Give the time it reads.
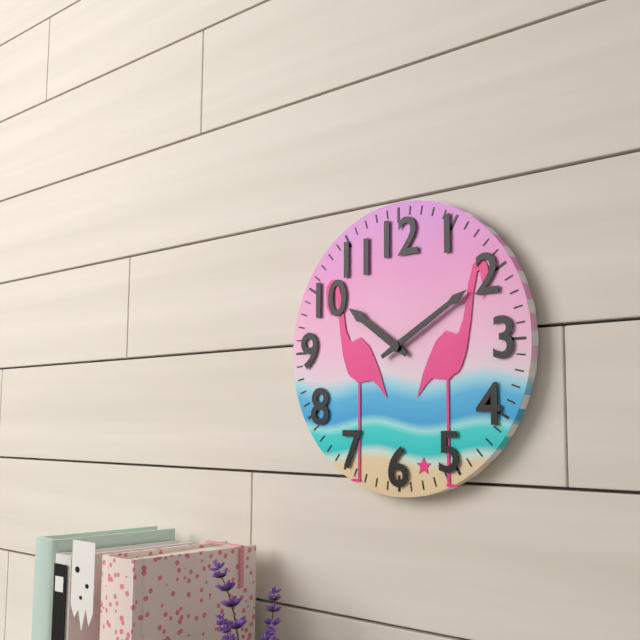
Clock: 10,10
